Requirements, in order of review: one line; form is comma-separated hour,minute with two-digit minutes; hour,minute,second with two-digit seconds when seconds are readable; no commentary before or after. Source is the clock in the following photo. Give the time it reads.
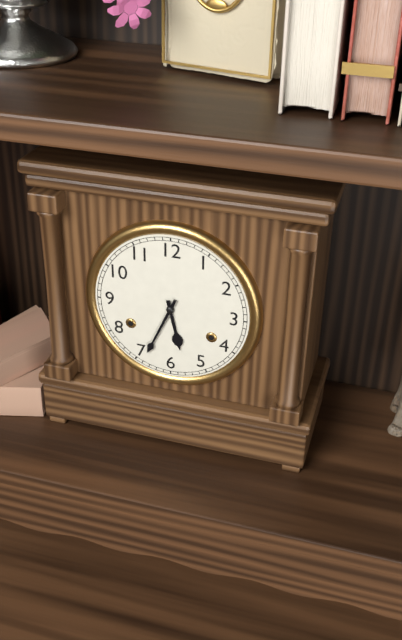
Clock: 5,34
